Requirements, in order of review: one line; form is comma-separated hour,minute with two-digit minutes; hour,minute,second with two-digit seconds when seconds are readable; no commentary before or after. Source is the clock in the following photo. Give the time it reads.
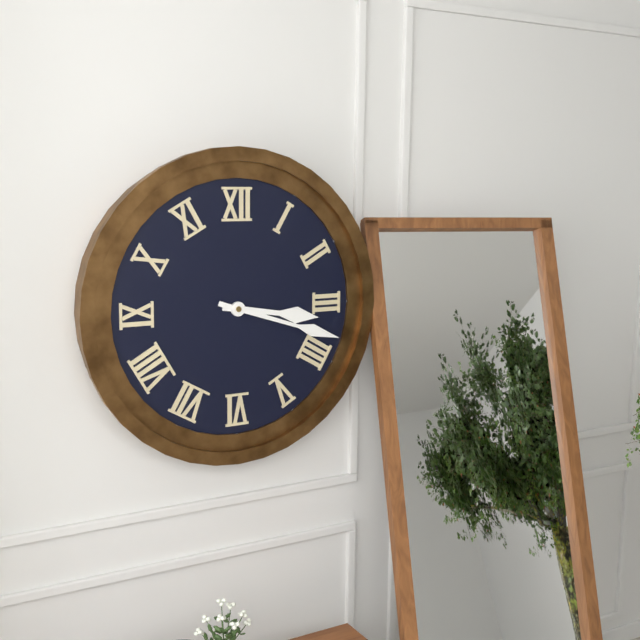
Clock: 3,18
